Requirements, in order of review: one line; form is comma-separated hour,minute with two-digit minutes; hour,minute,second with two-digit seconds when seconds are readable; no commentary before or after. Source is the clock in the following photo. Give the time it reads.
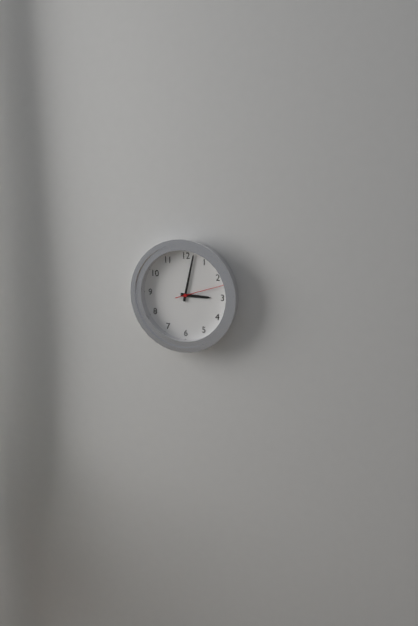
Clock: 3,02,12
